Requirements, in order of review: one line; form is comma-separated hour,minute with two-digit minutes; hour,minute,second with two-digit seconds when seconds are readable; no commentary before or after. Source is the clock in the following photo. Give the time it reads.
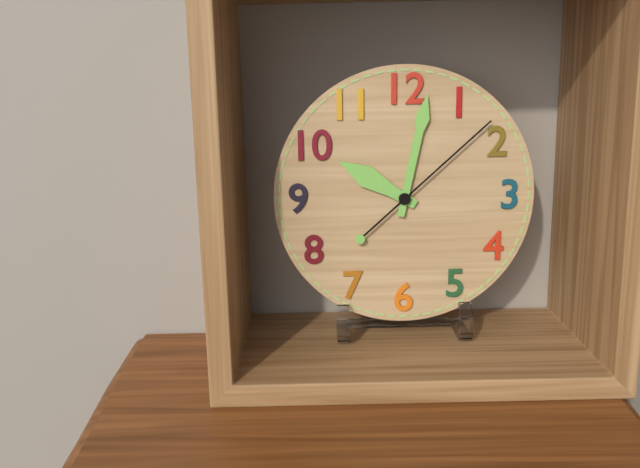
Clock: 10,02,08
